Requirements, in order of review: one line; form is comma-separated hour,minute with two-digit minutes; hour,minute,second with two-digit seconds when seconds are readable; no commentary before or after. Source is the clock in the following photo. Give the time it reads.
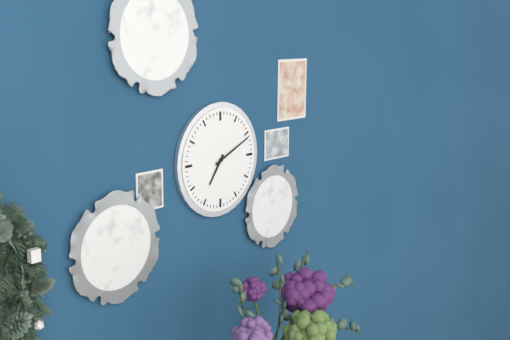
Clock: 7,11
